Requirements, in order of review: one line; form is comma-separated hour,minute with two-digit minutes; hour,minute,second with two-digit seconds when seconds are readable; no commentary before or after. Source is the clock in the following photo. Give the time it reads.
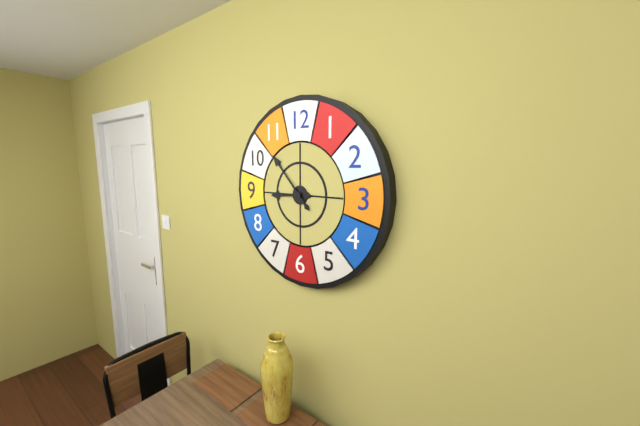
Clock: 8,53
